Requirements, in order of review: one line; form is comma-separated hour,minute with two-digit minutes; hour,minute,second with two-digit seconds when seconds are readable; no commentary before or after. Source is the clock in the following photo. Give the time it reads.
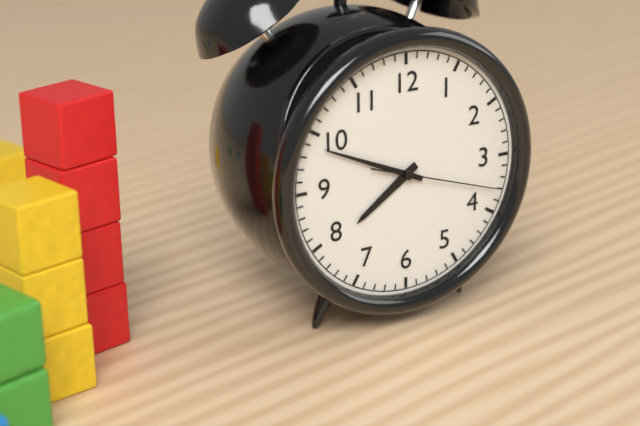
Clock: 7,49,18
